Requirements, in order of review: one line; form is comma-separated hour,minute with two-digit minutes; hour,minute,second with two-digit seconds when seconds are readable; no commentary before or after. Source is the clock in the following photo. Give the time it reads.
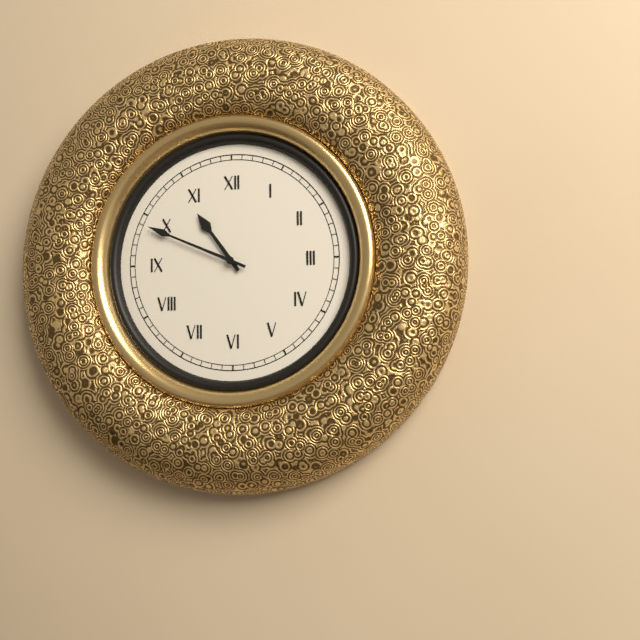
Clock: 10,49
